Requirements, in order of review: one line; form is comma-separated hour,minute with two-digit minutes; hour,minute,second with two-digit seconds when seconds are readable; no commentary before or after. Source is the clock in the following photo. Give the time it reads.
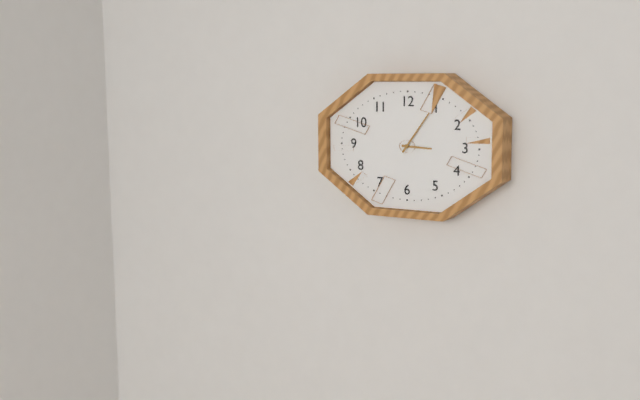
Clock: 3,06
